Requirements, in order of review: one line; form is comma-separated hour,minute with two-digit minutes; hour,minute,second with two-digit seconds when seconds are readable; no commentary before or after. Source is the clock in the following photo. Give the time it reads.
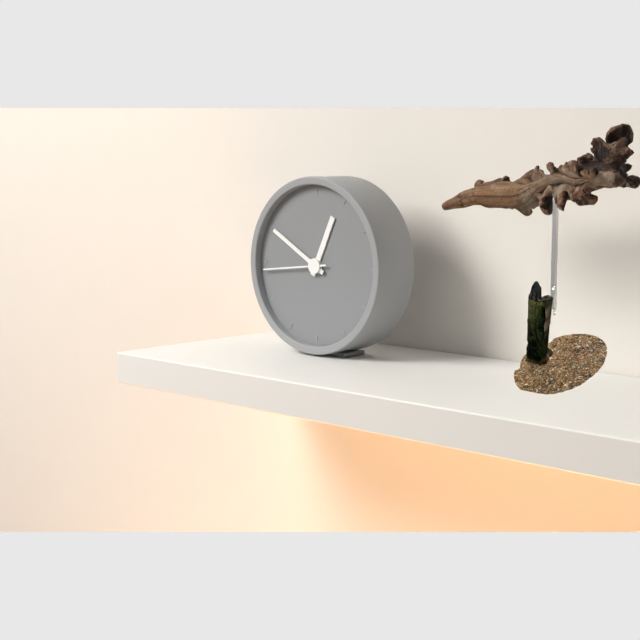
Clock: 12,50,44
